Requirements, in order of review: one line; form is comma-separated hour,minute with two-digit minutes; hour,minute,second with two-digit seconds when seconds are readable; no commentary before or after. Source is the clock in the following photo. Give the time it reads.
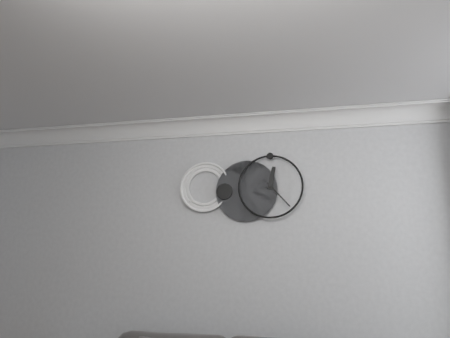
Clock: 12,23
